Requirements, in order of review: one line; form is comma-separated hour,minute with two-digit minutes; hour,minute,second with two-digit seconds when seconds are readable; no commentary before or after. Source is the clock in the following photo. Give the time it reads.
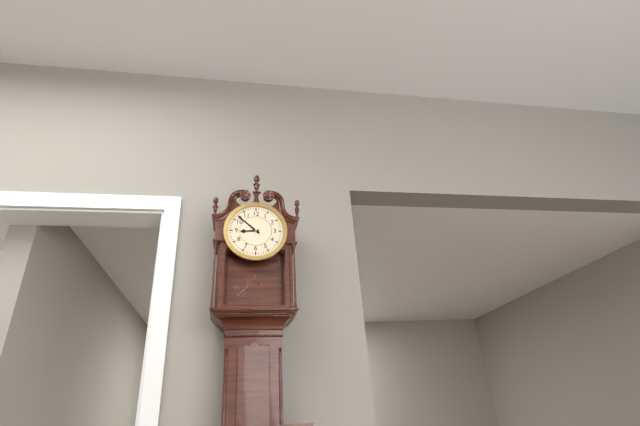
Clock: 8,52
